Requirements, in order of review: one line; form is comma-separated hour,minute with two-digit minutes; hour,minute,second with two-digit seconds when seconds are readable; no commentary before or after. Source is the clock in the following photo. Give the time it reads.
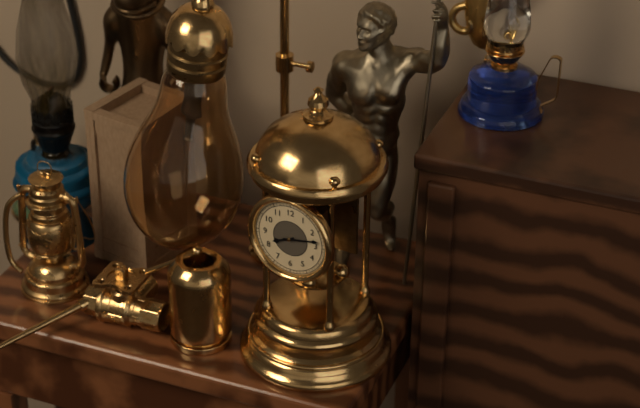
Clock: 8,13
